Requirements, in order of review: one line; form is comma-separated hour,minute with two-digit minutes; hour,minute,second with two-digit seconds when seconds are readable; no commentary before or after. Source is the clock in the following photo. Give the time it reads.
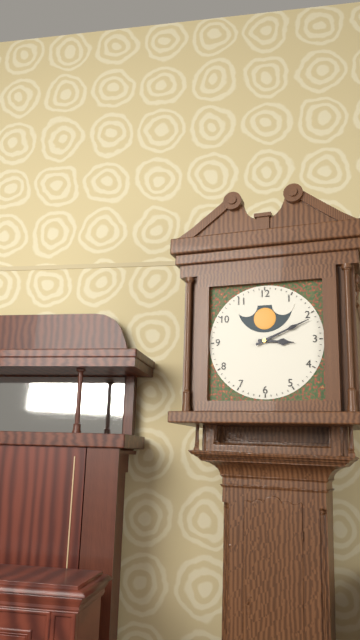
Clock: 3,11
